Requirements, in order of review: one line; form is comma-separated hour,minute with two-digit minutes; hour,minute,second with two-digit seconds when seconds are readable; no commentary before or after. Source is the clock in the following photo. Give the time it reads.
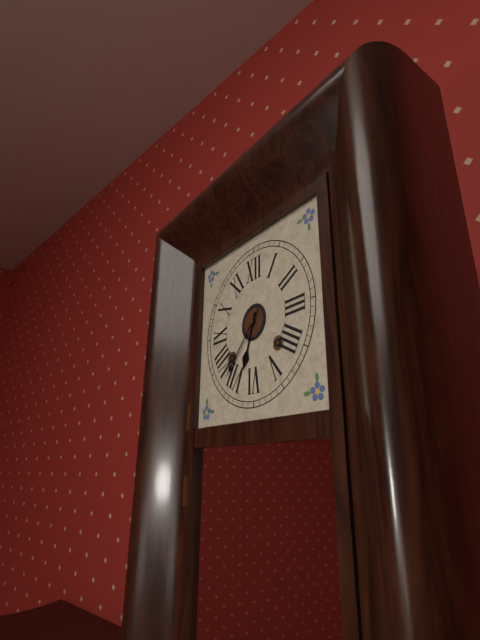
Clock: 6,37
